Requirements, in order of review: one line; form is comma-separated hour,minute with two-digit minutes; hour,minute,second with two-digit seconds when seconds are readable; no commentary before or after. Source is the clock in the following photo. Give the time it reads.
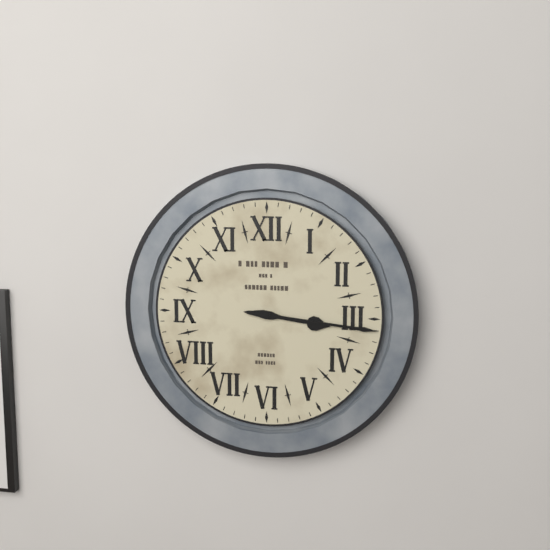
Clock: 3,16
